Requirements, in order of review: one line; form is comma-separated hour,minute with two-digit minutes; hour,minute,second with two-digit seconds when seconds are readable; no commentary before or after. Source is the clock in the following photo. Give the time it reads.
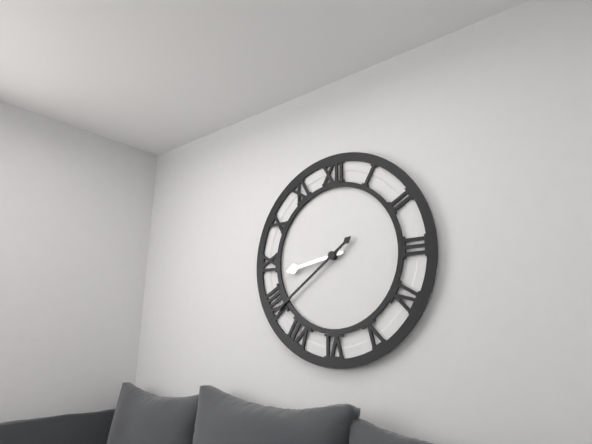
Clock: 8,39
